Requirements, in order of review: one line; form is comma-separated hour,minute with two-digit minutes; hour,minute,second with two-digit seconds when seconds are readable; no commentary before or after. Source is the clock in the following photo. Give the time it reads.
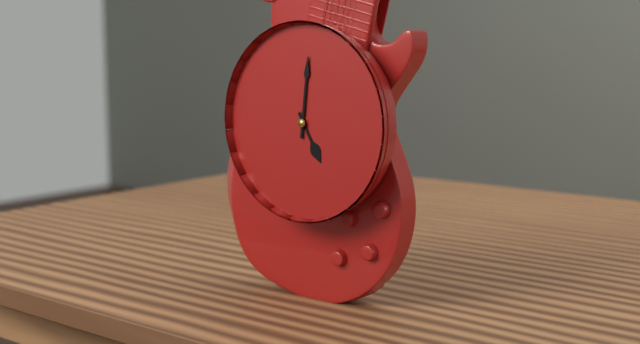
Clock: 5,01
